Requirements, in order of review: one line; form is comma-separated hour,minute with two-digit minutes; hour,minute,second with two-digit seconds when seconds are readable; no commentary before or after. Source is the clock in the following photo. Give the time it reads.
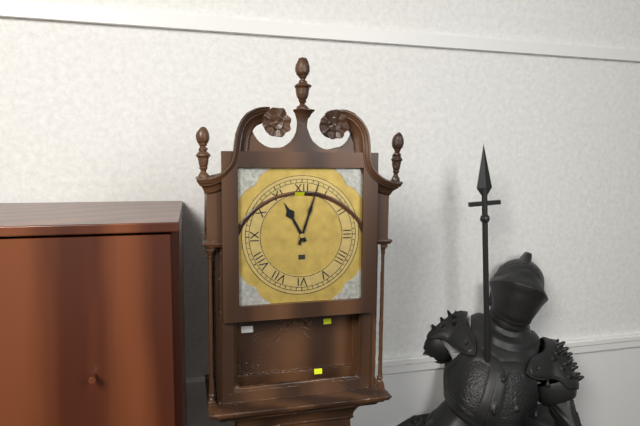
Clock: 11,03
